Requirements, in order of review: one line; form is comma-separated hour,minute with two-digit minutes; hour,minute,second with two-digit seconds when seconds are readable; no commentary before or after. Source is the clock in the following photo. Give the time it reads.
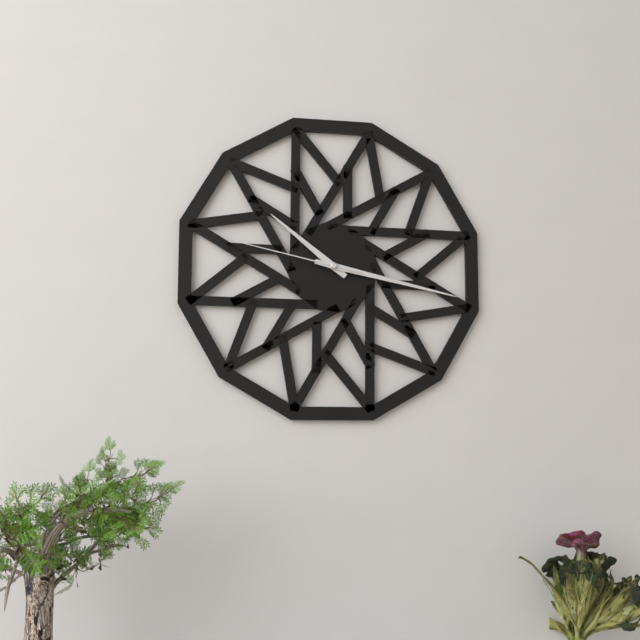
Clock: 10,17,47
